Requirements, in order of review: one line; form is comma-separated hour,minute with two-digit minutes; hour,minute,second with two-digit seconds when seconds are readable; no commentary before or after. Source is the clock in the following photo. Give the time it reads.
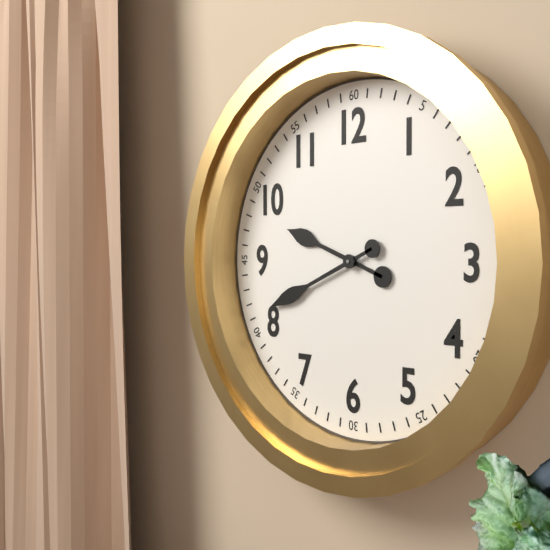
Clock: 9,41
